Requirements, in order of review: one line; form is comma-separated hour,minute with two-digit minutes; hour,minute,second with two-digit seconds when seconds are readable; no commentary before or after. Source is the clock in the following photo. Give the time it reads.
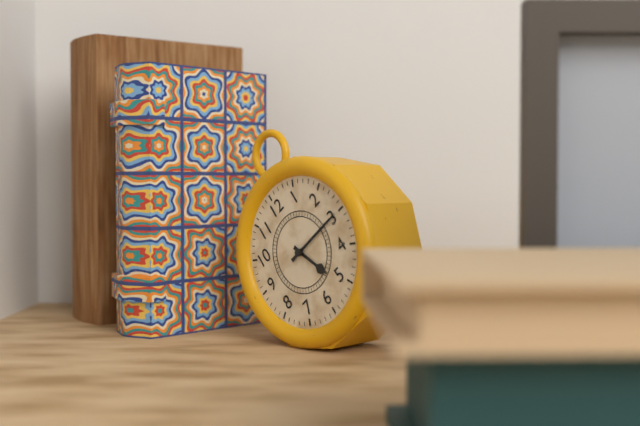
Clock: 5,15
